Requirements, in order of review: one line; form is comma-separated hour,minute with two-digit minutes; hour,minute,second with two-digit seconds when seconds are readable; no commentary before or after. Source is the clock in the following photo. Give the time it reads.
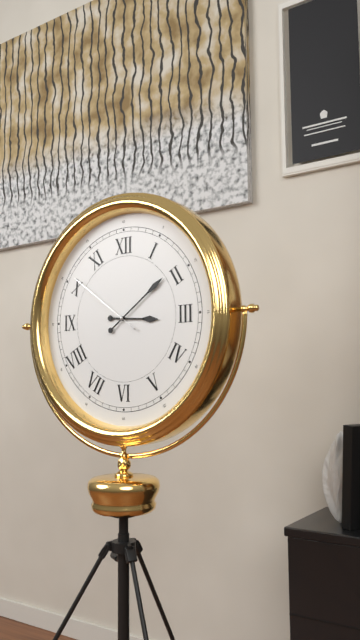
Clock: 3,09,51
